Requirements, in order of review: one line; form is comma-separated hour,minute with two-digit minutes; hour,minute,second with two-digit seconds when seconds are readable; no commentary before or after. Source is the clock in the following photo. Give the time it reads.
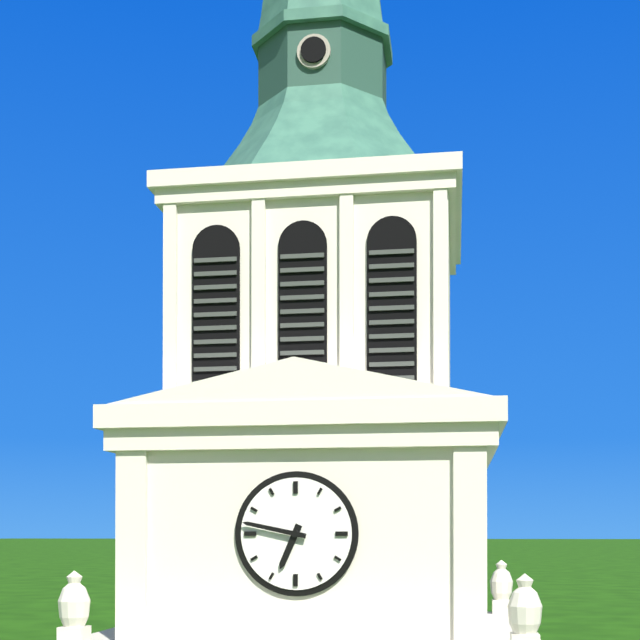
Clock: 6,47
